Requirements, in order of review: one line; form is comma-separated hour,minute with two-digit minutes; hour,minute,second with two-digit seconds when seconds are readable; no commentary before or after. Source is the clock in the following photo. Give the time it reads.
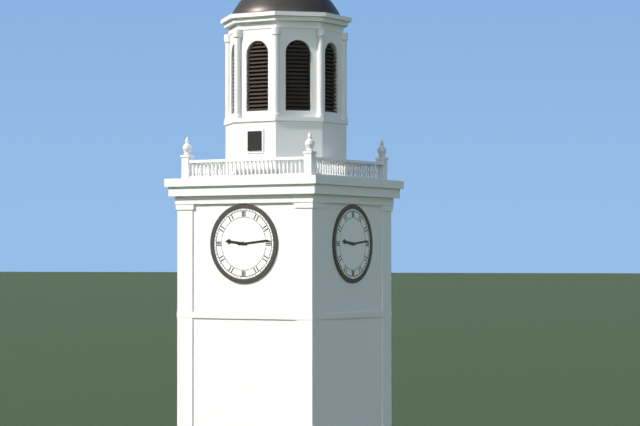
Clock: 9,14
